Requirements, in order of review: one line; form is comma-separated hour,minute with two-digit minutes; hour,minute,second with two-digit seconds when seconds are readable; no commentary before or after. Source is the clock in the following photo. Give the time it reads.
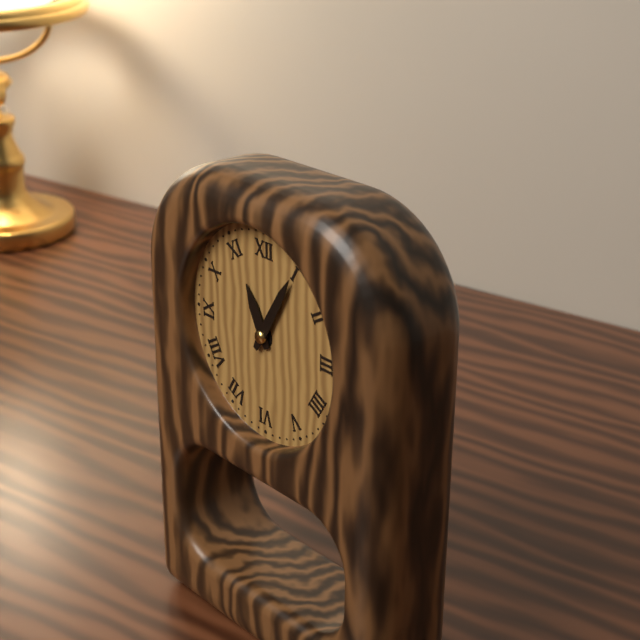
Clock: 11,05
